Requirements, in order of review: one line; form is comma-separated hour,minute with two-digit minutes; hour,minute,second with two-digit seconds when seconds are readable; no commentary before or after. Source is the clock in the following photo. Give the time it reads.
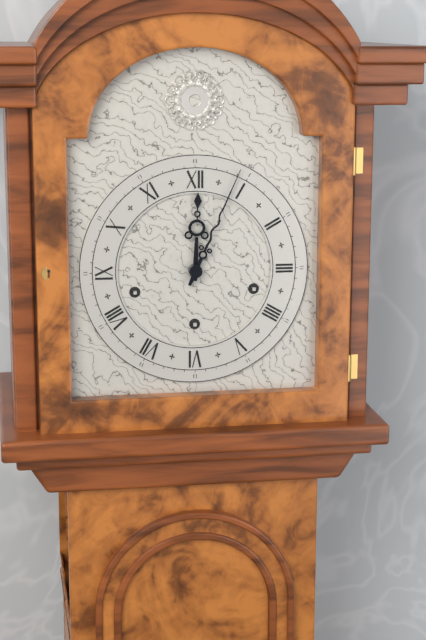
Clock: 12,04
